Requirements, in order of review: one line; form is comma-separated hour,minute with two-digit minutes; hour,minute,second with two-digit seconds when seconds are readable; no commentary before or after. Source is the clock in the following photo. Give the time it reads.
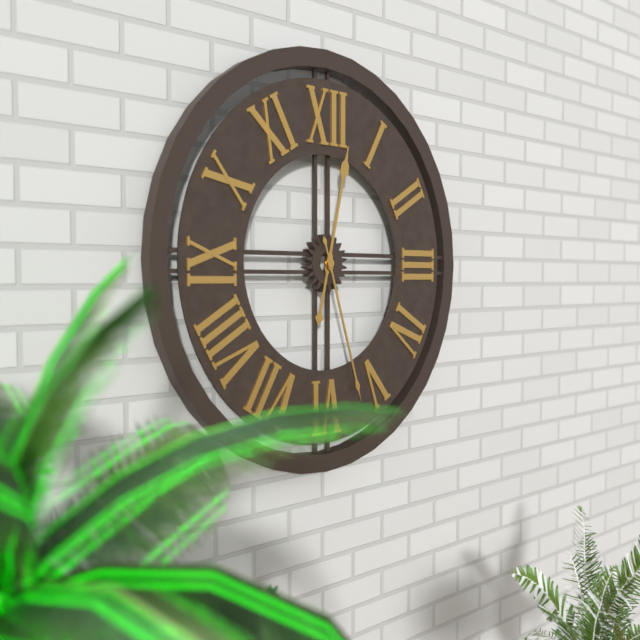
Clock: 12,27
